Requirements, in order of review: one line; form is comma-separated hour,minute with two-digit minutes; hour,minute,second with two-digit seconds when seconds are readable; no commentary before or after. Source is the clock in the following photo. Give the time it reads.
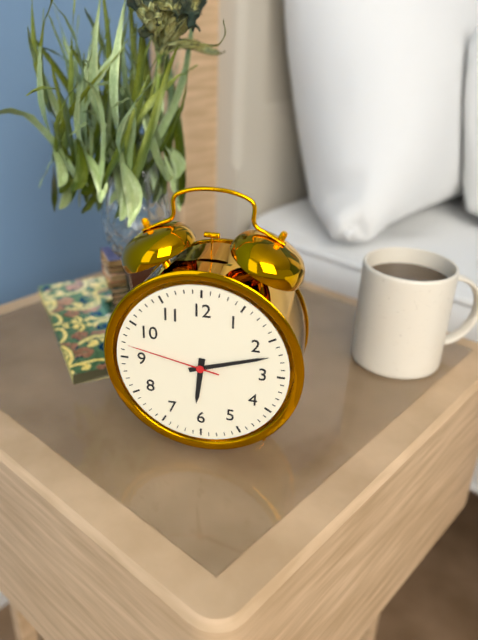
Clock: 6,12,47
